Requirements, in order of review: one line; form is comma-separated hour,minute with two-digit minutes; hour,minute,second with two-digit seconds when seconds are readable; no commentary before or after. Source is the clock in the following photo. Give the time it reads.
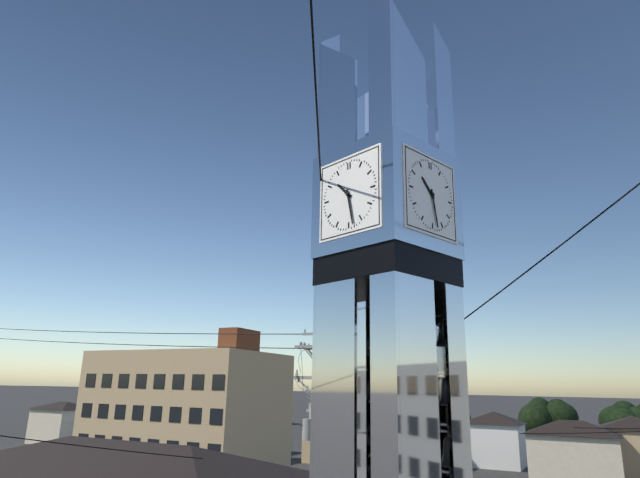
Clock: 10,28
